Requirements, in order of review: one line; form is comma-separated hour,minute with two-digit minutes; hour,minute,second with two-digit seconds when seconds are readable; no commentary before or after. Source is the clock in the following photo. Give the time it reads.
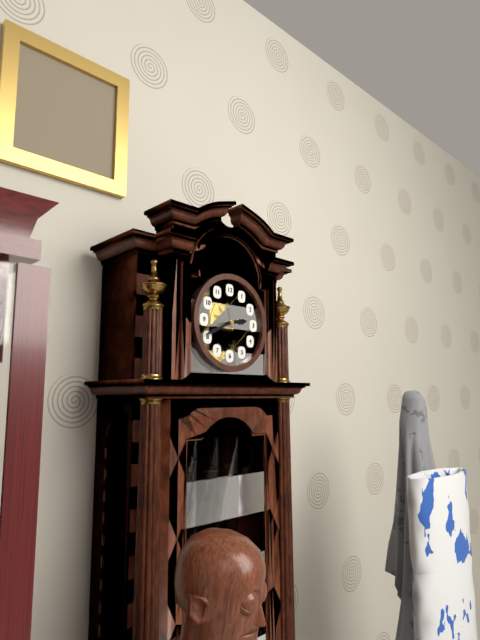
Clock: 2,41
